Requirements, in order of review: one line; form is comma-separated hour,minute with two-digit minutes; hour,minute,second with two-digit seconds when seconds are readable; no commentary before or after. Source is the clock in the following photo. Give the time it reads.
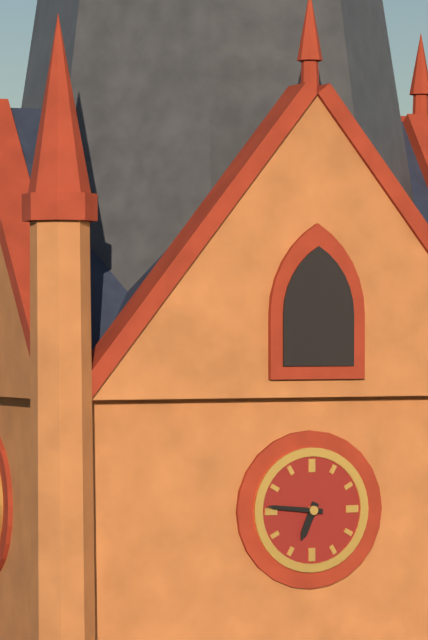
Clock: 6,46
